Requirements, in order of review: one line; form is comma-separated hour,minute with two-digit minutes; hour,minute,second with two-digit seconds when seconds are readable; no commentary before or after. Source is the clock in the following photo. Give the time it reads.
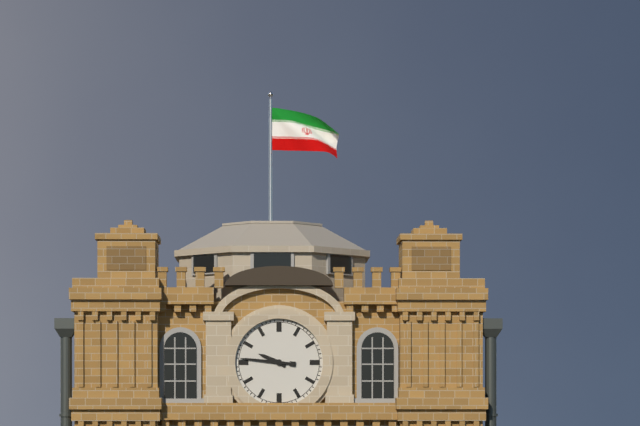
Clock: 9,46
